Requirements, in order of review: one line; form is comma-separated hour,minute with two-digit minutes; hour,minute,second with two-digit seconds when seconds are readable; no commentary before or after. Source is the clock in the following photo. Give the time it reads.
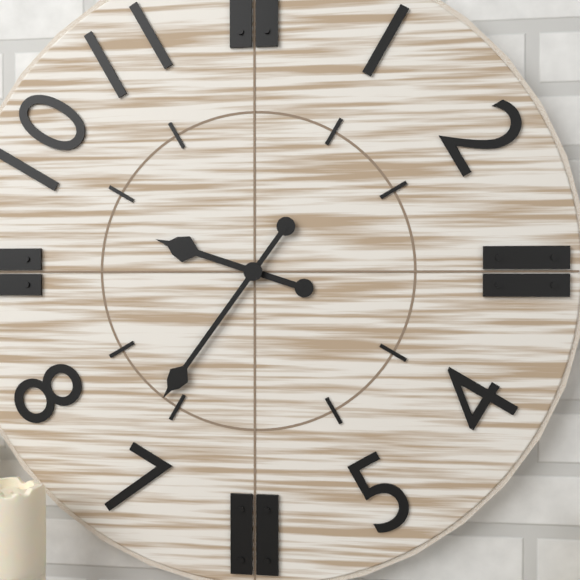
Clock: 9,36
